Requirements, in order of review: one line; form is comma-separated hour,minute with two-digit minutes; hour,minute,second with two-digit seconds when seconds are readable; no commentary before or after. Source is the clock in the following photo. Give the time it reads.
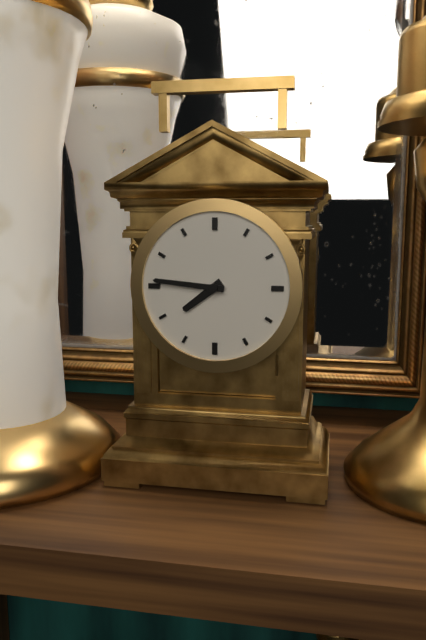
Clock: 7,46
